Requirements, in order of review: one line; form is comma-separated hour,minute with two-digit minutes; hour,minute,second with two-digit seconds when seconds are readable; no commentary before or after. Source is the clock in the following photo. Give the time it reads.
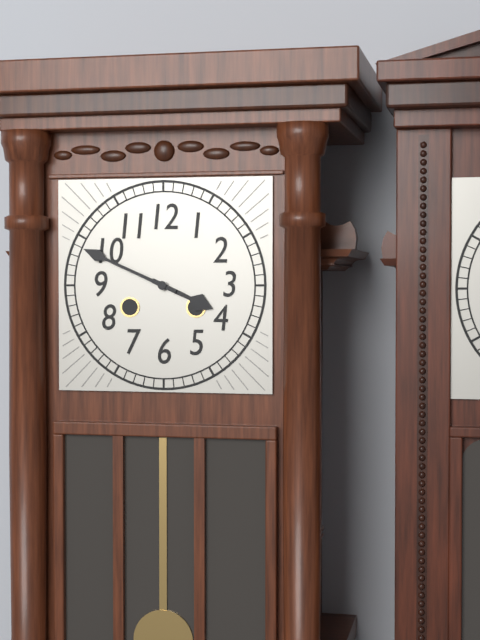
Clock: 3,49
